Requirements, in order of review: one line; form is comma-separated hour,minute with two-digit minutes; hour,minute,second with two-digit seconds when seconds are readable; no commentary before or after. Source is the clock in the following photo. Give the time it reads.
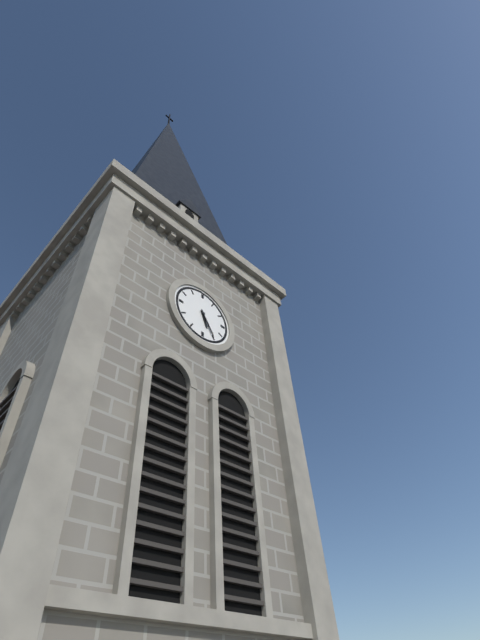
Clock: 5,25
